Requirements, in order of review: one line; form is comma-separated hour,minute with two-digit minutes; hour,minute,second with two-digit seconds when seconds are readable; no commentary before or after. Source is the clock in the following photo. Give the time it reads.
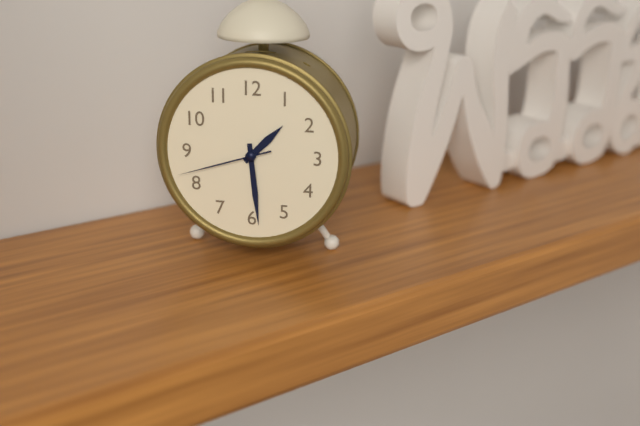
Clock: 1,29,42
